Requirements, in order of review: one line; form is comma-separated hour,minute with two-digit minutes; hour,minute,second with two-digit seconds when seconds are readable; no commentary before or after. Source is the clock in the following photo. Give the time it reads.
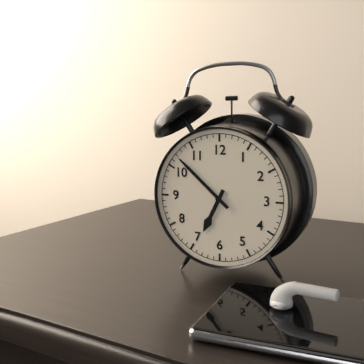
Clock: 6,52
